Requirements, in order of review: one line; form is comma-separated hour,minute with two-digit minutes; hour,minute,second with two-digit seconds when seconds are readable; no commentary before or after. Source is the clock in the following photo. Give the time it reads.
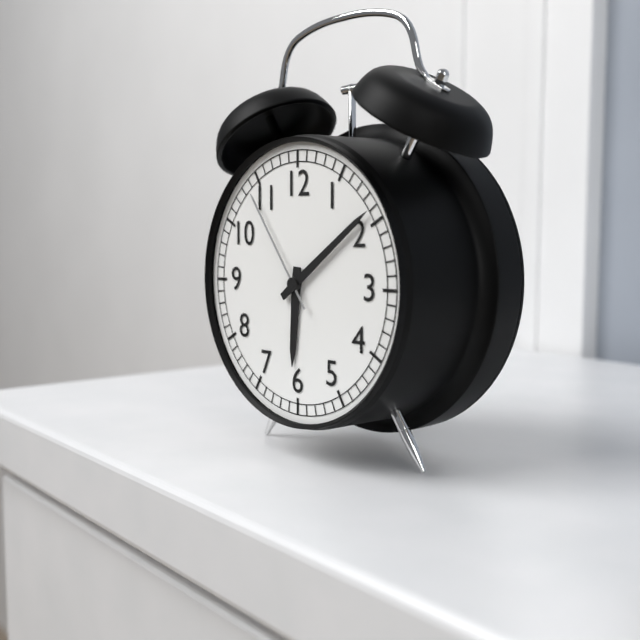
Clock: 6,09,54
